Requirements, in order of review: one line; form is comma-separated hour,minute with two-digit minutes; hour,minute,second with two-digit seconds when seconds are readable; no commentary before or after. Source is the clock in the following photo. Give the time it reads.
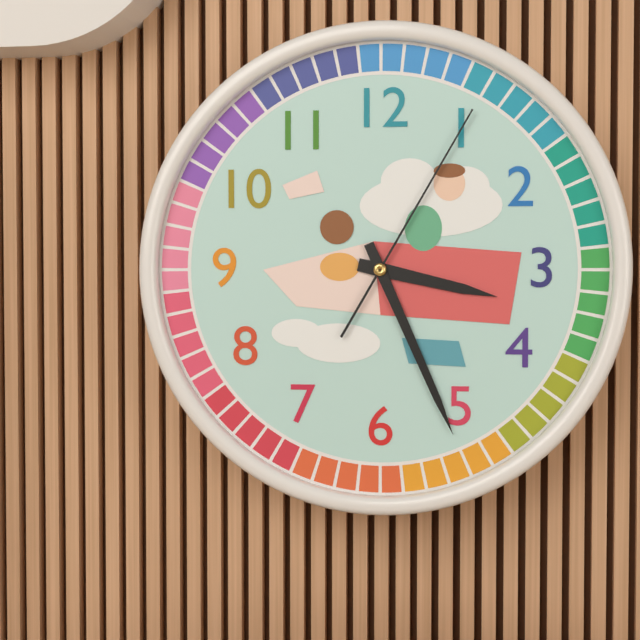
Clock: 3,26,05
